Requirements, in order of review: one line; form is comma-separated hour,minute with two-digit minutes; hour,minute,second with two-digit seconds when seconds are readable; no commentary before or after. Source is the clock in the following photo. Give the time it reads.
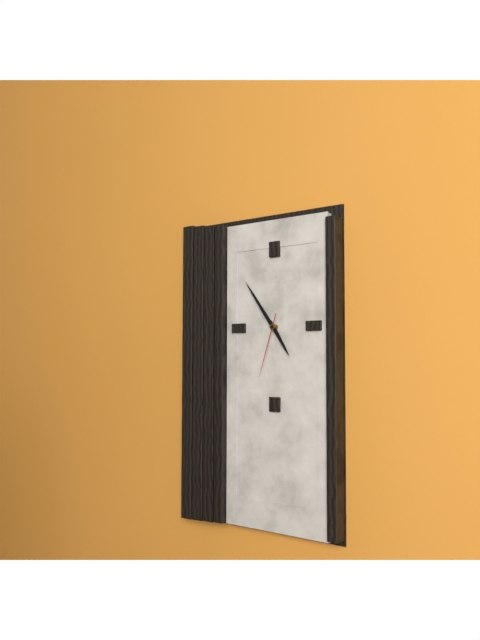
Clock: 4,54,33
